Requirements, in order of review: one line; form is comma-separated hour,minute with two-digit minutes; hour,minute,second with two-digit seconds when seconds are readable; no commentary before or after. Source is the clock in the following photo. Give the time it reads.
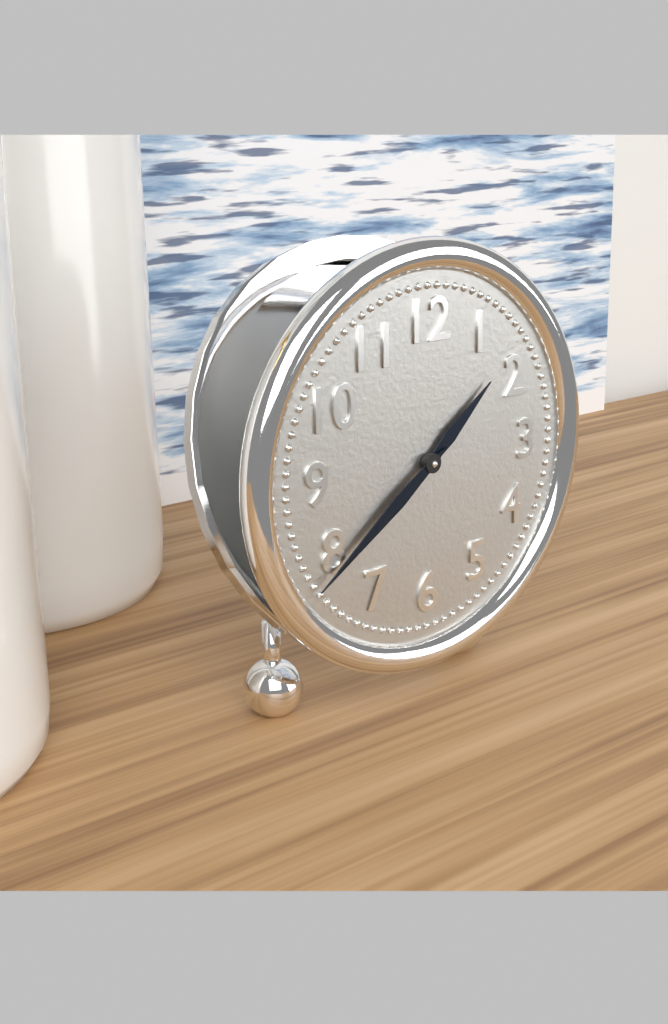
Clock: 1,39
